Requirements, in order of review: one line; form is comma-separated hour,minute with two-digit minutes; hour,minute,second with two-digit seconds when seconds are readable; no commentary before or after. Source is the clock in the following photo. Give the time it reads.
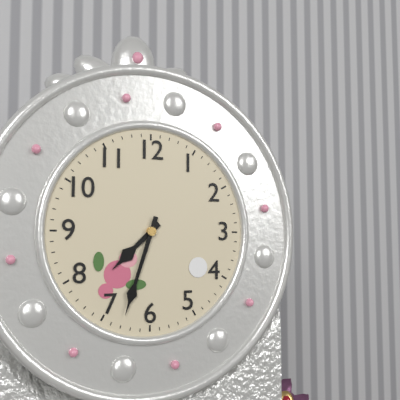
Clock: 7,33
